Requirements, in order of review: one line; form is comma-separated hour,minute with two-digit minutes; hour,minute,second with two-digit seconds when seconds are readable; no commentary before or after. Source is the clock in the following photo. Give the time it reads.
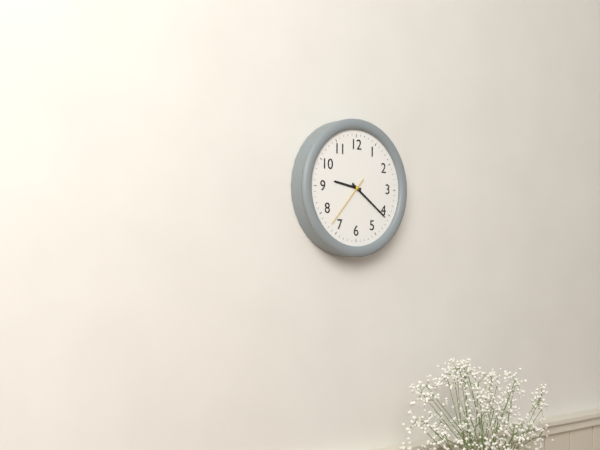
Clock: 9,21,37
